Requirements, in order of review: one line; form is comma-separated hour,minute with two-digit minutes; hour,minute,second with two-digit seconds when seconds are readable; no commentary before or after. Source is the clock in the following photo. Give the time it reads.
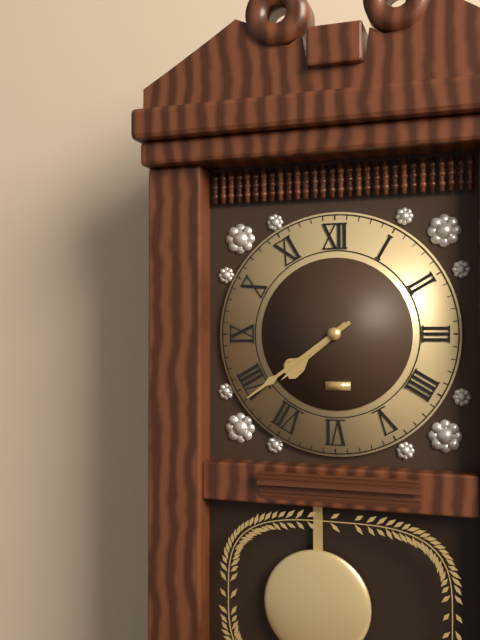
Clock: 7,39
